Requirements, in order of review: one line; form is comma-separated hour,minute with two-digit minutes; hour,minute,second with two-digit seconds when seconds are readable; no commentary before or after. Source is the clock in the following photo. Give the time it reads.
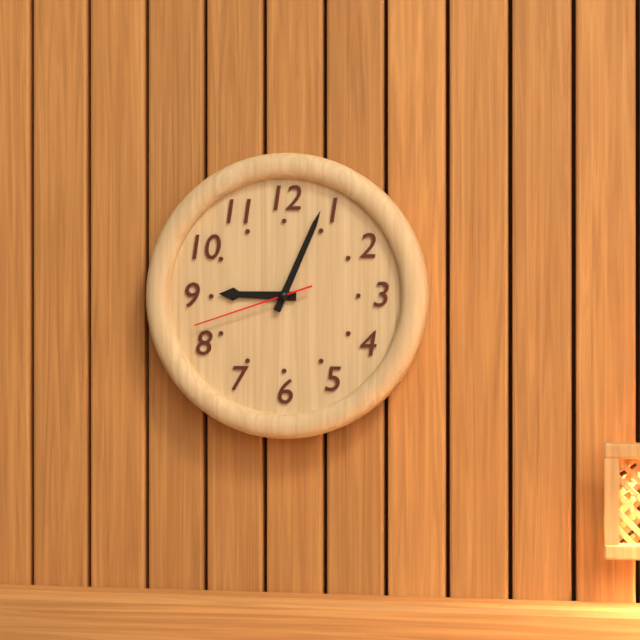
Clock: 9,04,42
